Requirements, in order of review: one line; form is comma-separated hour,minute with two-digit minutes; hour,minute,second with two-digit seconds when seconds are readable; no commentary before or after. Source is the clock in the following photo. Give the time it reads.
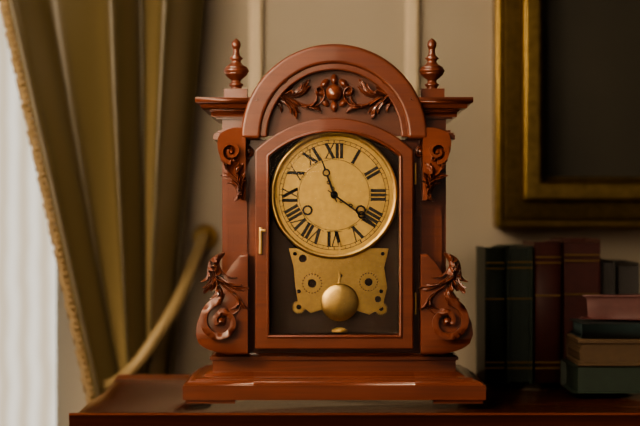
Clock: 11,21
